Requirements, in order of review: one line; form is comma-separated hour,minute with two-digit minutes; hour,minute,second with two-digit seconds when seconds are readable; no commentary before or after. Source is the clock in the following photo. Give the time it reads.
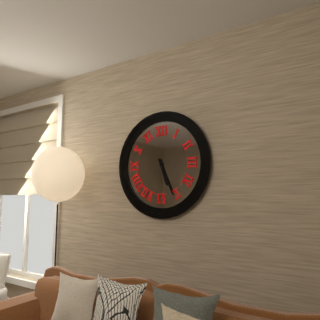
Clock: 5,26
